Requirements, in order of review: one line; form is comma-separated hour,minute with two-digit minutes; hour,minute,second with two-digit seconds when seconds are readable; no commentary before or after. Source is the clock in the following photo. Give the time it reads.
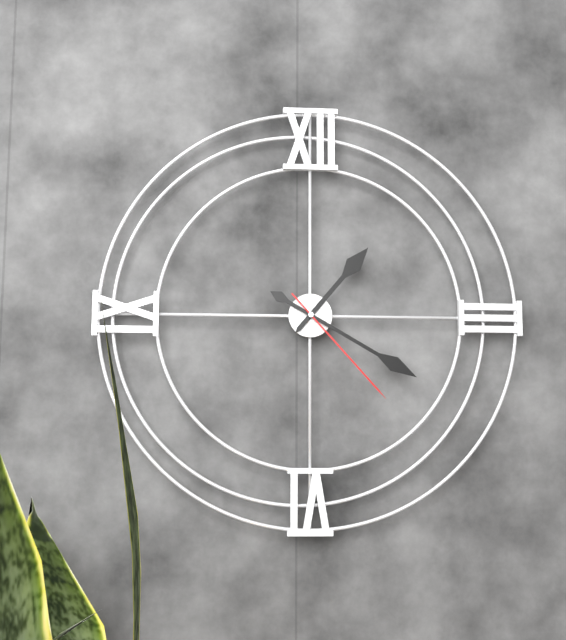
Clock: 1,20,23
